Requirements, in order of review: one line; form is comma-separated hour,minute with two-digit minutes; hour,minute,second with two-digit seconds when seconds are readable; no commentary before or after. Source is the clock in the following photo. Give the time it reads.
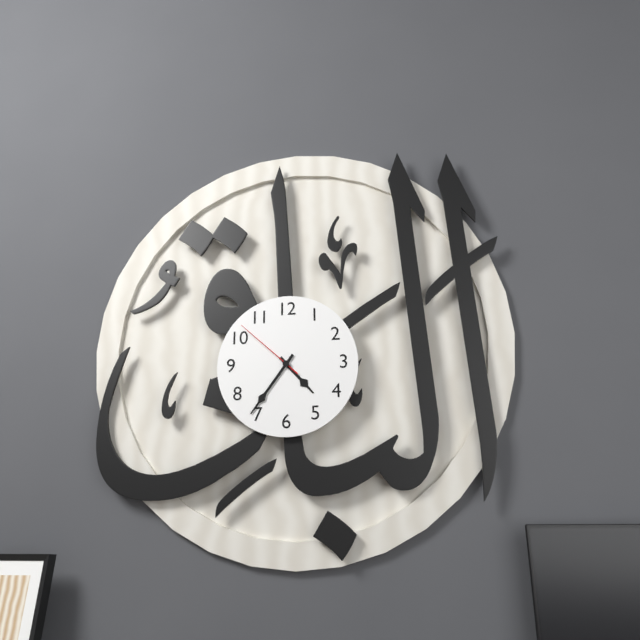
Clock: 4,36,52
